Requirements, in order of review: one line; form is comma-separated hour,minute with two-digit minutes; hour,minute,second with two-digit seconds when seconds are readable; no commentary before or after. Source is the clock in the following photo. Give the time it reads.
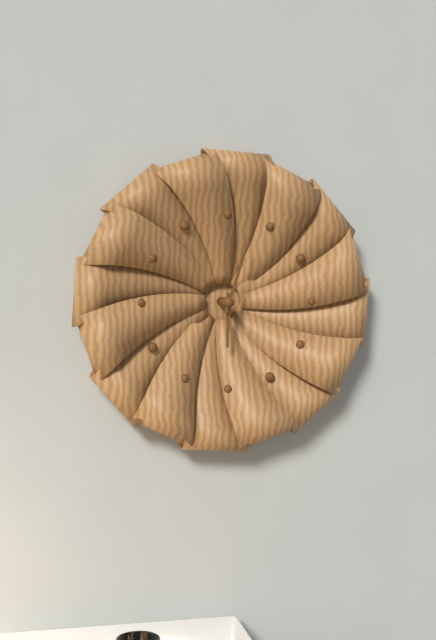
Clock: 6,03
